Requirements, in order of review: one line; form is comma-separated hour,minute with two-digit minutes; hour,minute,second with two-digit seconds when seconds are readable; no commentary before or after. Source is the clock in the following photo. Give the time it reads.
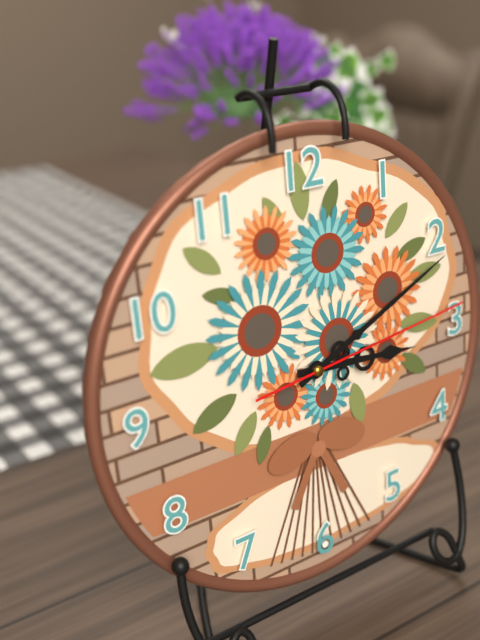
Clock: 3,11,14
